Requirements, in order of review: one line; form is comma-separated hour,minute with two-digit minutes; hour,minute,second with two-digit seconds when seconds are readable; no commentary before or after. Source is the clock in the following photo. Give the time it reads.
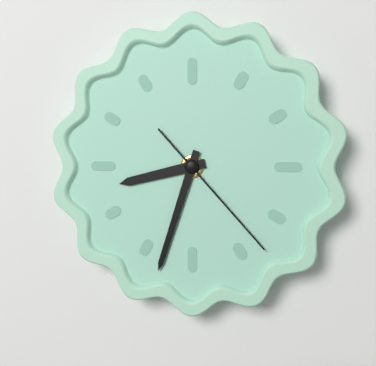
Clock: 8,33,23
